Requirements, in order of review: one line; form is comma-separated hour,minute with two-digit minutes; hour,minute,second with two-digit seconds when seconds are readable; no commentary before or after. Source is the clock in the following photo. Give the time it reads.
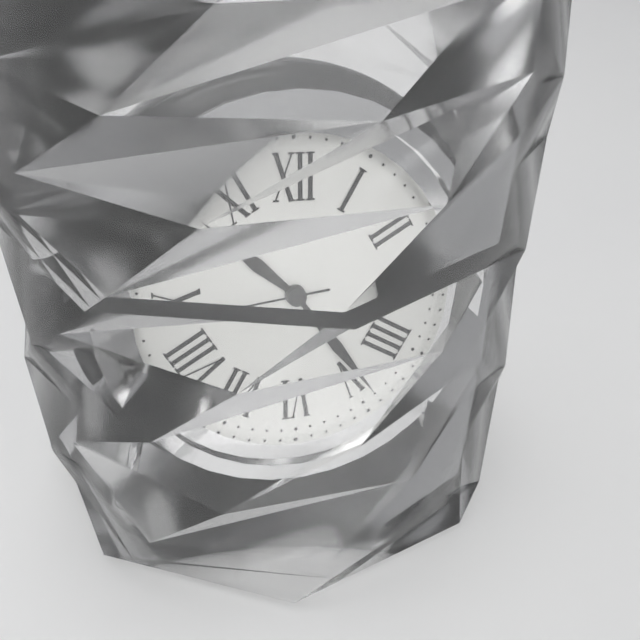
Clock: 10,24,44
